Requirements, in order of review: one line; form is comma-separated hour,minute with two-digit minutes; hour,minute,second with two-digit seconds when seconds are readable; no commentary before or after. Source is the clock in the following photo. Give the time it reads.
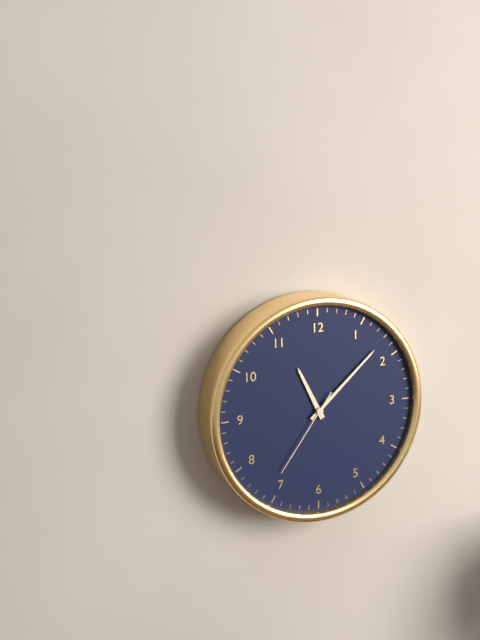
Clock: 11,08,36
